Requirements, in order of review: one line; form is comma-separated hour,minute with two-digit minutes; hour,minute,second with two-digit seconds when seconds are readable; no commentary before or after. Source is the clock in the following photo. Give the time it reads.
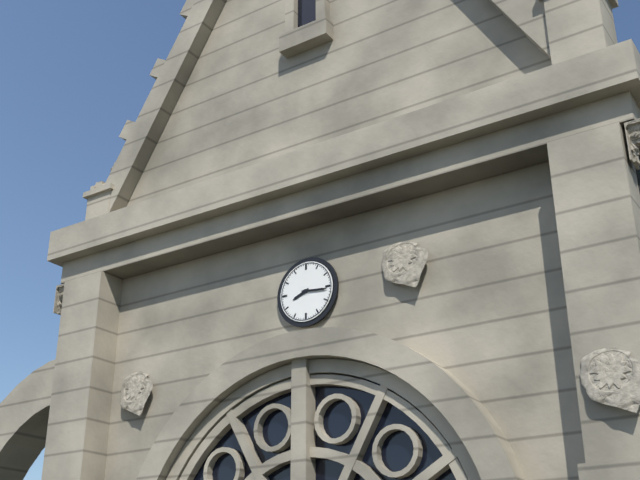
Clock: 8,16
